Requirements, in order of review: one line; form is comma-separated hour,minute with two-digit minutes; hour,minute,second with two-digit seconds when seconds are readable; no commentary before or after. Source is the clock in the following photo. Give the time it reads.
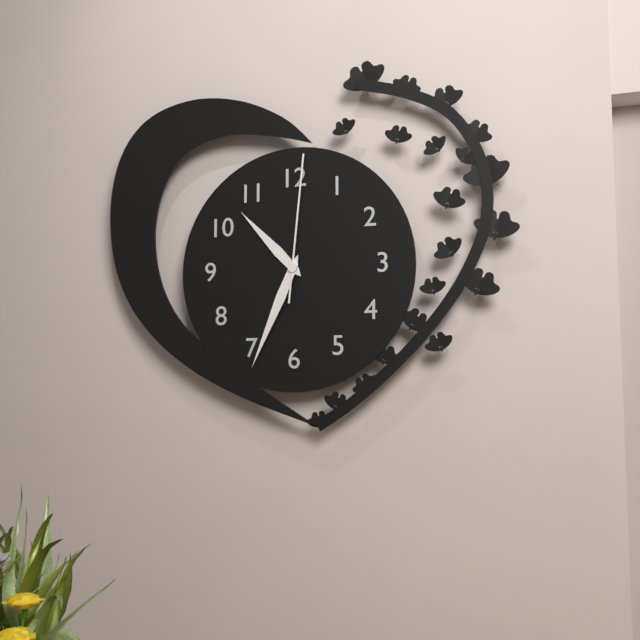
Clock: 10,34,01
